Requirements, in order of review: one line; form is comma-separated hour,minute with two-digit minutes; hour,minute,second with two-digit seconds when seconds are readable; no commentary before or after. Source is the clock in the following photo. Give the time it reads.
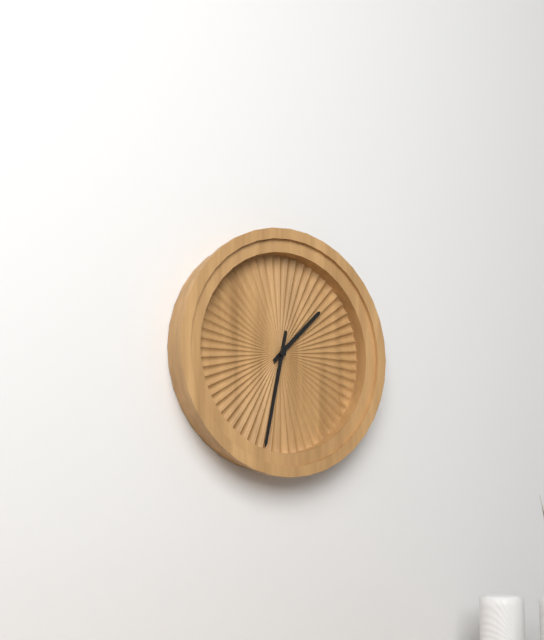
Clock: 1,32
